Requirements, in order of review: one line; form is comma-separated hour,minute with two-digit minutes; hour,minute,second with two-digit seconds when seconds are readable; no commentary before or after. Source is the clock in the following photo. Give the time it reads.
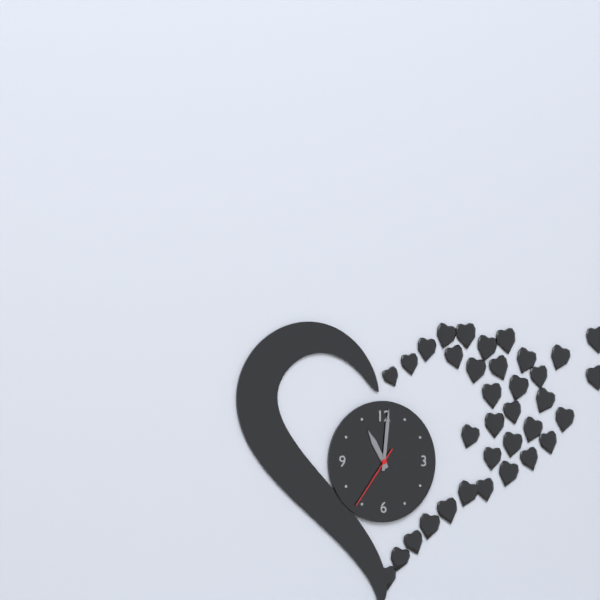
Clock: 11,01,36
